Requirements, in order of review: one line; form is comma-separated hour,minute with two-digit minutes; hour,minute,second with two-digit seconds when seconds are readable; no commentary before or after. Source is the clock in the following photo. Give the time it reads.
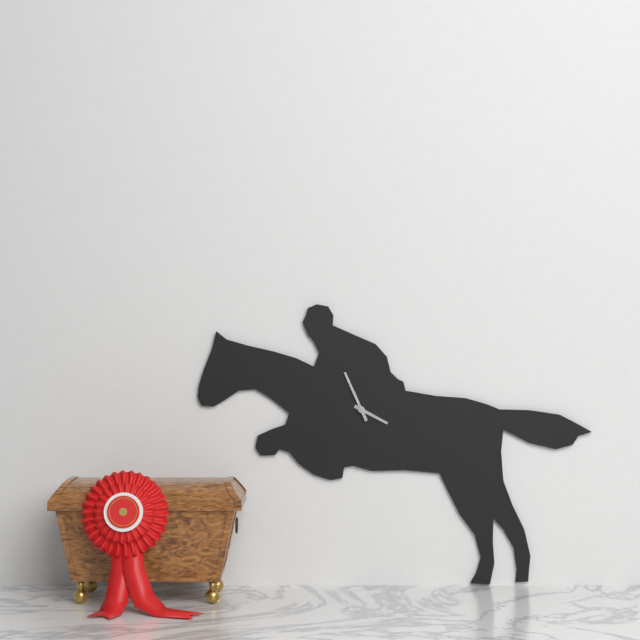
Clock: 3,56
